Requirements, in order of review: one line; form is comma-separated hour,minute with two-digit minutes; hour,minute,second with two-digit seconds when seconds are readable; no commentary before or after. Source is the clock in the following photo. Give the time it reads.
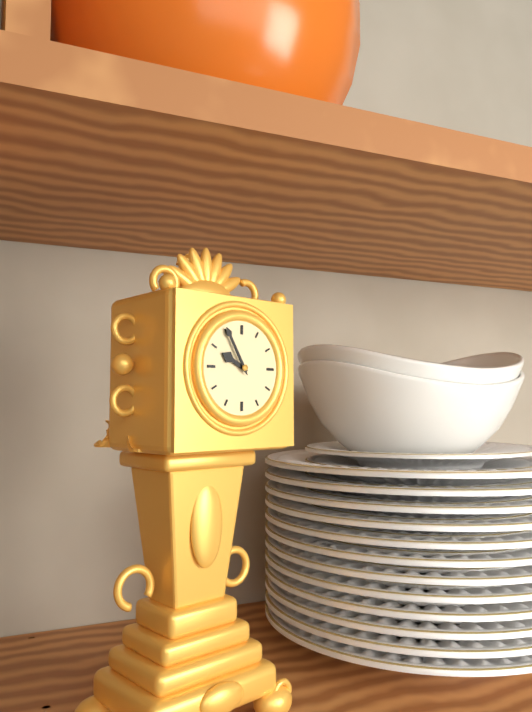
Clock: 9,55
